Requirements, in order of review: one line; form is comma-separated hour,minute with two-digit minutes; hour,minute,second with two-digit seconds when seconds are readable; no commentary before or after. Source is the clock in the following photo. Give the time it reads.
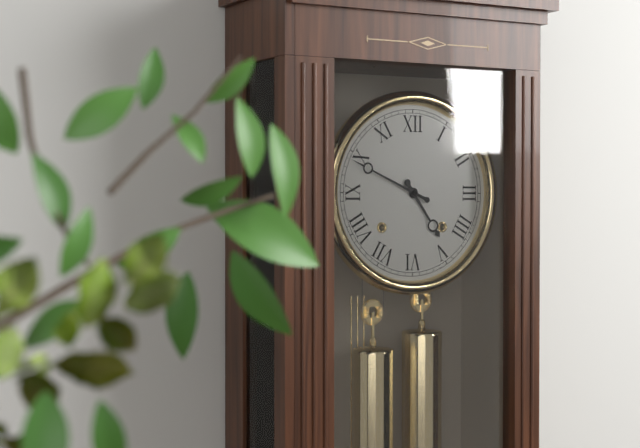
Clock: 4,49
